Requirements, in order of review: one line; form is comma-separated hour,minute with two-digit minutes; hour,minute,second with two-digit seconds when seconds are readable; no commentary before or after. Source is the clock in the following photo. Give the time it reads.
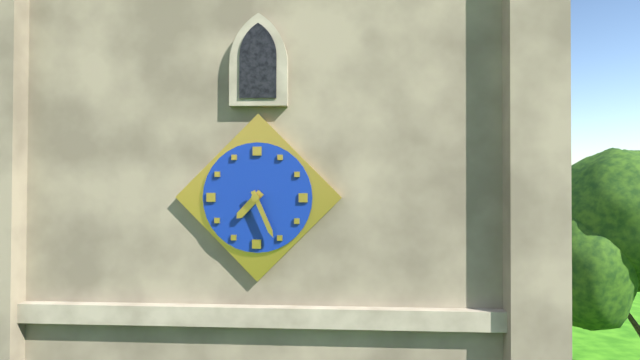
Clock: 7,26
